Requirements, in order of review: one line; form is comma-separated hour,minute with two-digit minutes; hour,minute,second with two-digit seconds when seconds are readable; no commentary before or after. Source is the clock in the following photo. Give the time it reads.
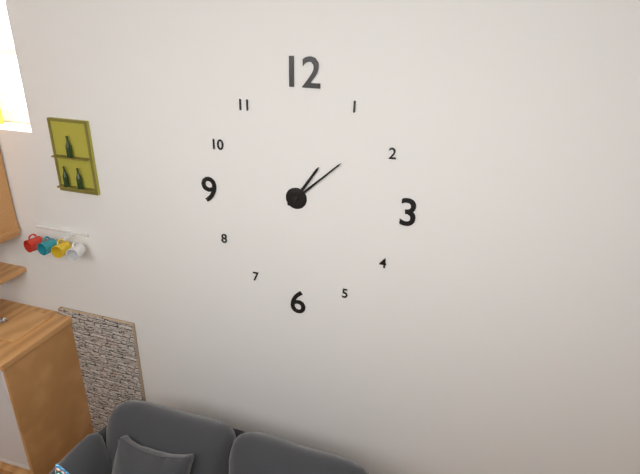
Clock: 1,08
